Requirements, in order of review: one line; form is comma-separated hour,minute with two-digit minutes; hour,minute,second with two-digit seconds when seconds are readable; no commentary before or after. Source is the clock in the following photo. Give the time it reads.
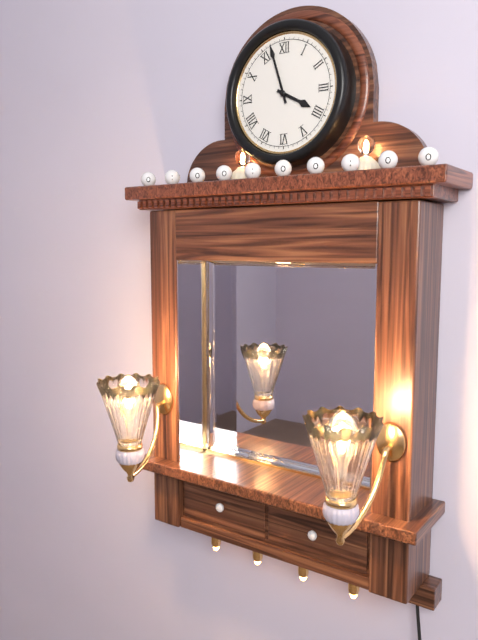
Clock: 3,57
